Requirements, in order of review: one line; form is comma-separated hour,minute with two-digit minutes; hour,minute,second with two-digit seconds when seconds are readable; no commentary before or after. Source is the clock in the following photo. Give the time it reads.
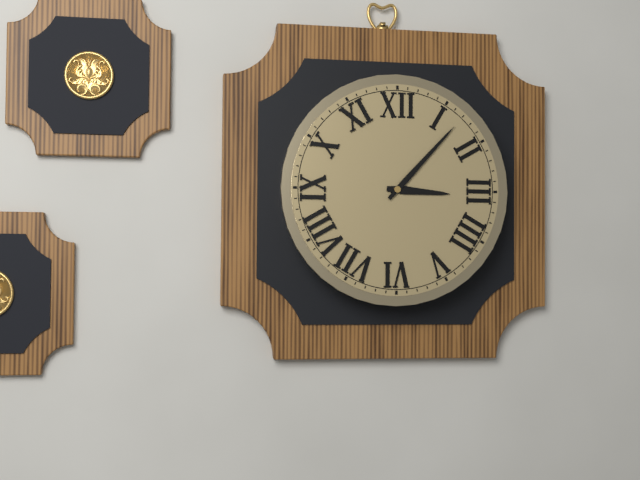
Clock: 3,07
